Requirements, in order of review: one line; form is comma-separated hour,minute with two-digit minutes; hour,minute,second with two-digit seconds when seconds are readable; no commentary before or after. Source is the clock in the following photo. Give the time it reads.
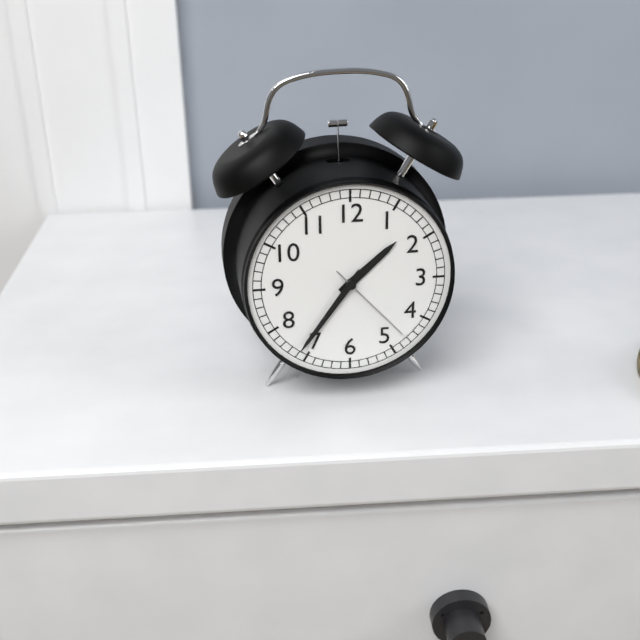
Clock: 1,36,23
